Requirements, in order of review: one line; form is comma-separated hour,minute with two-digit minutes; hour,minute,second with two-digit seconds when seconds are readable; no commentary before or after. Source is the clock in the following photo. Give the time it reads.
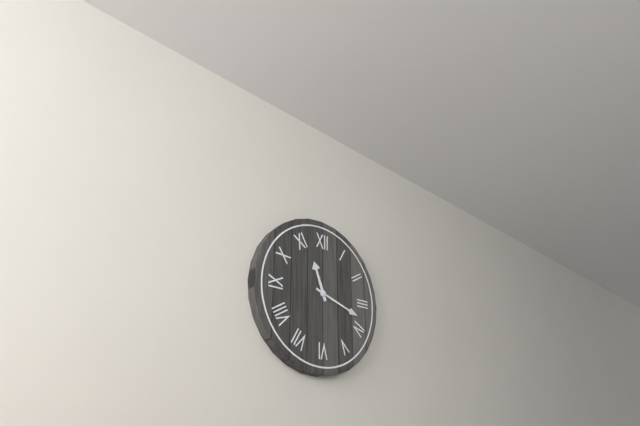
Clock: 11,18
